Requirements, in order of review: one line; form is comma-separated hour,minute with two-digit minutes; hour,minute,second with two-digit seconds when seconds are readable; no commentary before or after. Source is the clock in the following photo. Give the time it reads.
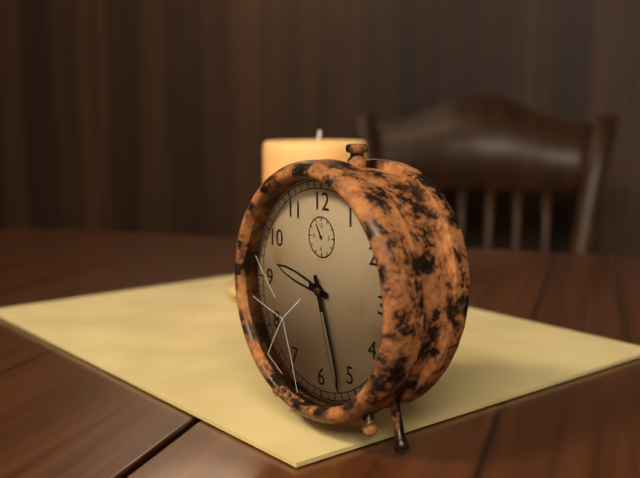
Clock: 9,27
